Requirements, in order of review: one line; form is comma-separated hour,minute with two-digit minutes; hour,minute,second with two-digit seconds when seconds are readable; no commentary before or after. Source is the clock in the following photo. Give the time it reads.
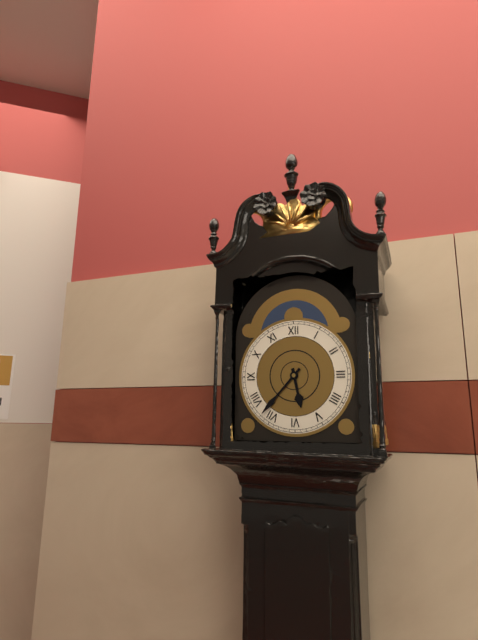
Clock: 5,37
